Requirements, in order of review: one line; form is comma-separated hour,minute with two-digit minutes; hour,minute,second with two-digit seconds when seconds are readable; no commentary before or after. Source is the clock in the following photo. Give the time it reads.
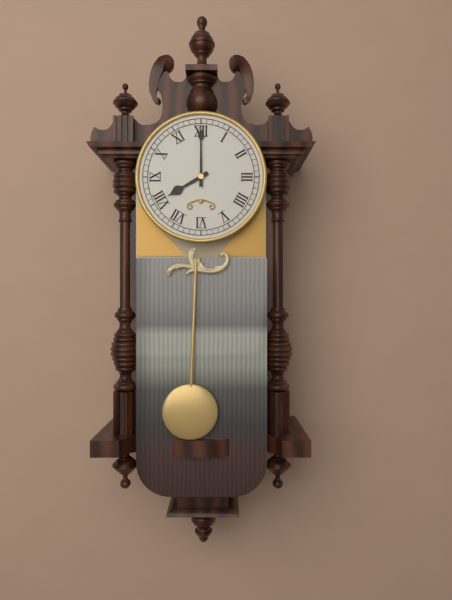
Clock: 8,00
